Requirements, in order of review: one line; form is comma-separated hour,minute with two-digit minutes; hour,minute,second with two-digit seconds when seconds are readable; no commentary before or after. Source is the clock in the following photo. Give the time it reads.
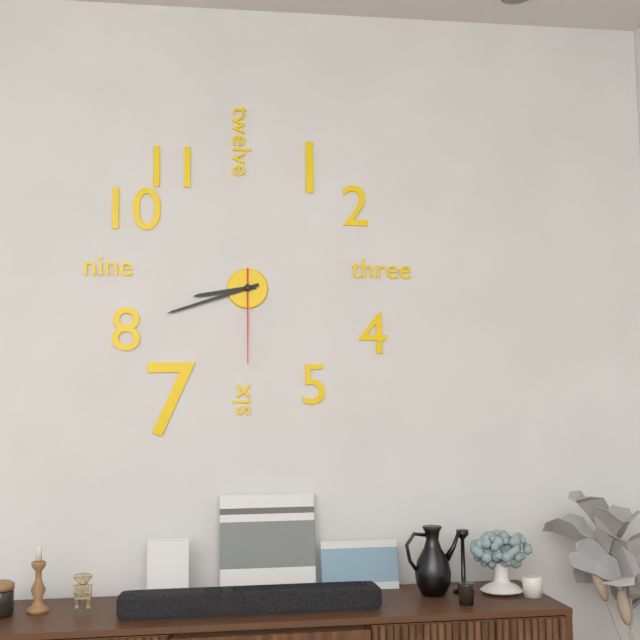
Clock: 8,42,30
